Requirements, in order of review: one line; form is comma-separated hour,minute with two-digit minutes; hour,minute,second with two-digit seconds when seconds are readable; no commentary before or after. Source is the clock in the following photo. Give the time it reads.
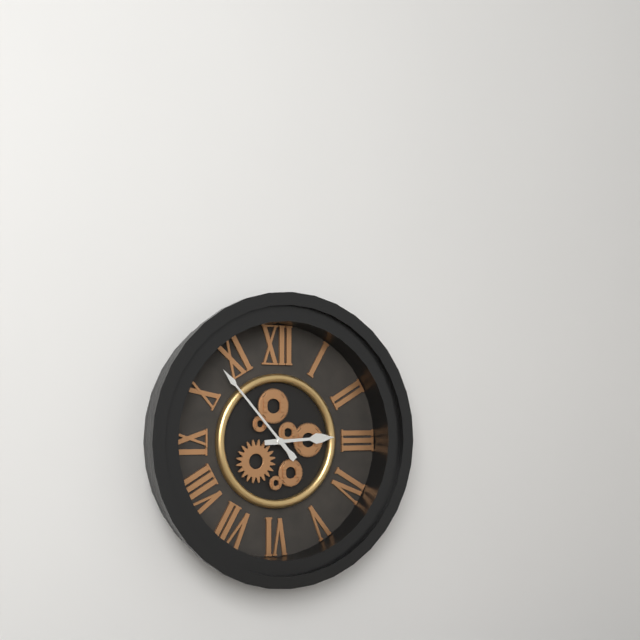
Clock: 2,53
